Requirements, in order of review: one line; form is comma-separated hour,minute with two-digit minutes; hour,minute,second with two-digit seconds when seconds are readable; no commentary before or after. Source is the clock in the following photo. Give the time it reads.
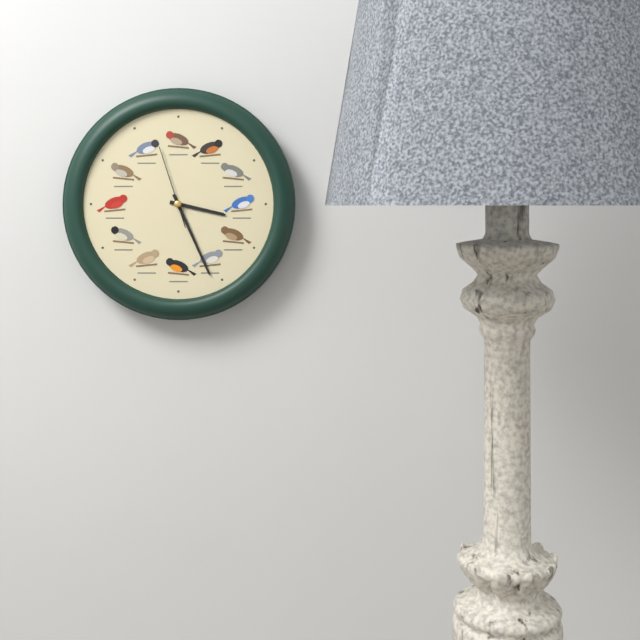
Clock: 3,26,57
